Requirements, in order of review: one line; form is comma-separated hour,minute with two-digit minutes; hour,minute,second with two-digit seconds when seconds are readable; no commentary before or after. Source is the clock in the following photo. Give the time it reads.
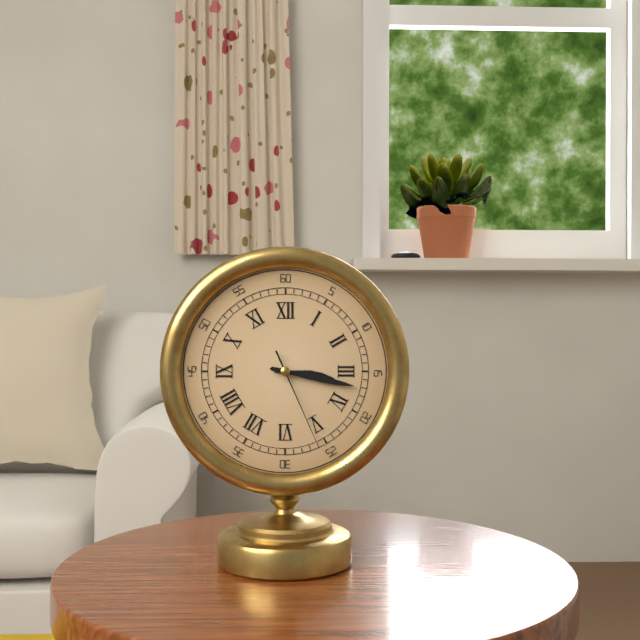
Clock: 3,17,26
